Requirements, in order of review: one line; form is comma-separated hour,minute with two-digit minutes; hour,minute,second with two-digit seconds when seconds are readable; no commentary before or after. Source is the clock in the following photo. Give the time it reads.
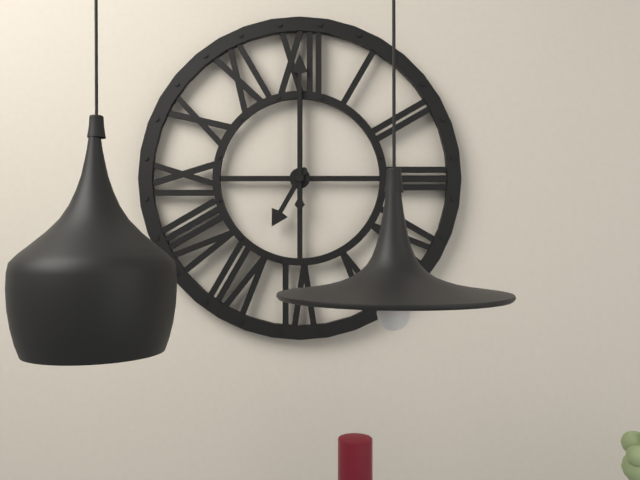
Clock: 7,00
